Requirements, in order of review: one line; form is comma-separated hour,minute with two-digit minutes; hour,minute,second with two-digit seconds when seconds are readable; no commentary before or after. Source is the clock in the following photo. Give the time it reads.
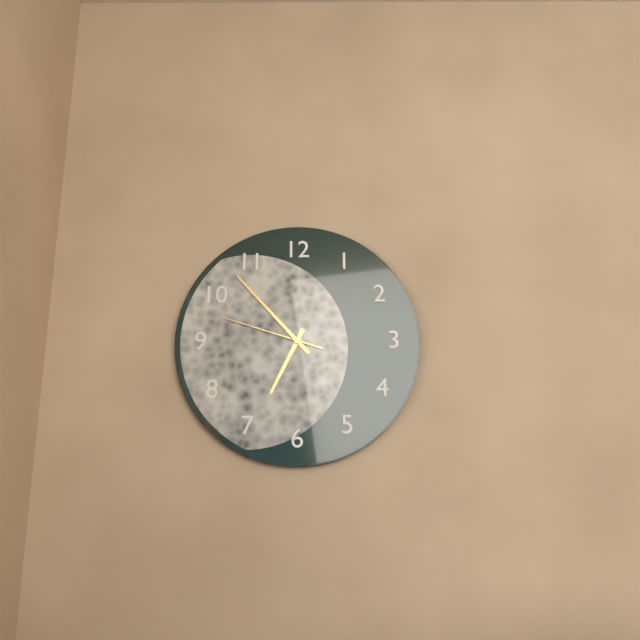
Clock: 6,53,48
